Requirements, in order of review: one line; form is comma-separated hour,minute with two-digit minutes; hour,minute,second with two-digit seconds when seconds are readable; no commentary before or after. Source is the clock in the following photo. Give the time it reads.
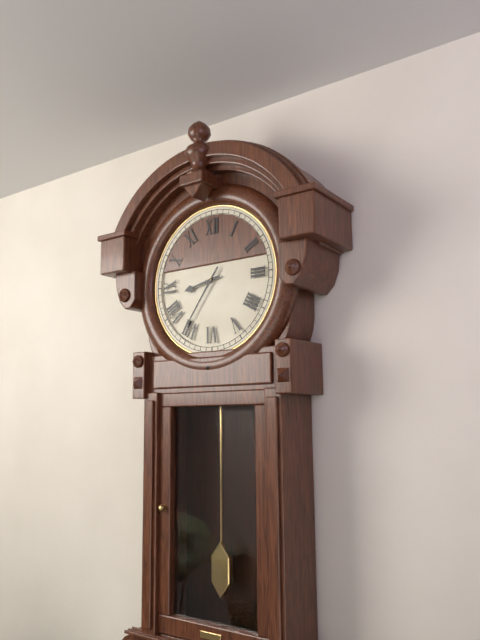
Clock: 8,36
